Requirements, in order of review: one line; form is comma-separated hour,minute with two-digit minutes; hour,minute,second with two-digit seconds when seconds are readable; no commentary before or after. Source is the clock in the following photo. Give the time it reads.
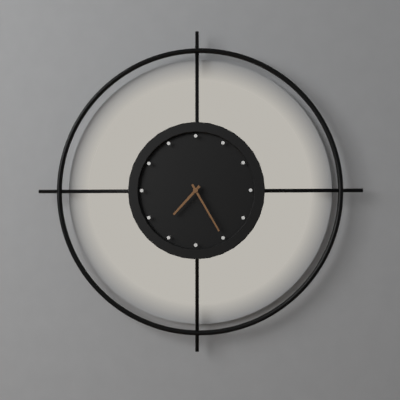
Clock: 7,25
